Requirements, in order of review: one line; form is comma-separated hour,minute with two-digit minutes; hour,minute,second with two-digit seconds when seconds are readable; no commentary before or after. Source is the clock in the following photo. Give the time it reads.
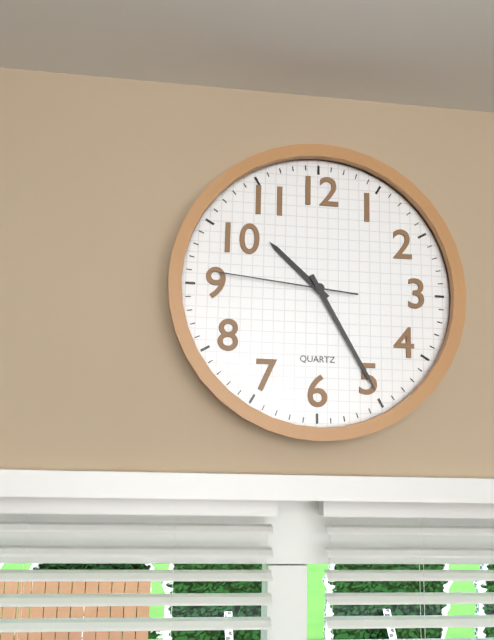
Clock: 10,25,46
